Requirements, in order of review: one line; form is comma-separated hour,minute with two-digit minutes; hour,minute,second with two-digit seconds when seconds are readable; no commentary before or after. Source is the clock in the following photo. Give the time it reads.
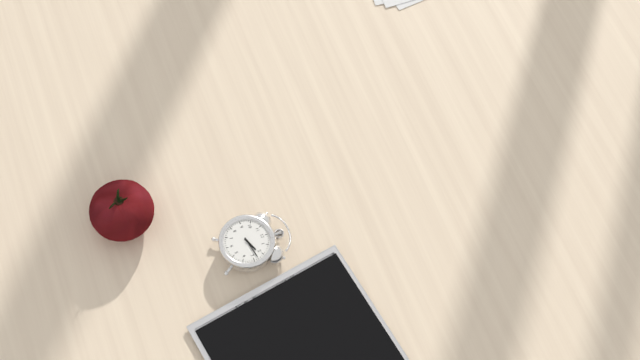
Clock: 2,13
